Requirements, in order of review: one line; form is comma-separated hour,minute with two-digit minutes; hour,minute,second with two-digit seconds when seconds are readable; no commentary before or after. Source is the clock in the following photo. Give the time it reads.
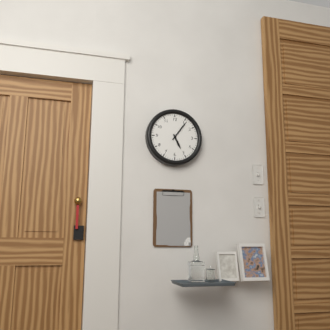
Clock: 5,06
